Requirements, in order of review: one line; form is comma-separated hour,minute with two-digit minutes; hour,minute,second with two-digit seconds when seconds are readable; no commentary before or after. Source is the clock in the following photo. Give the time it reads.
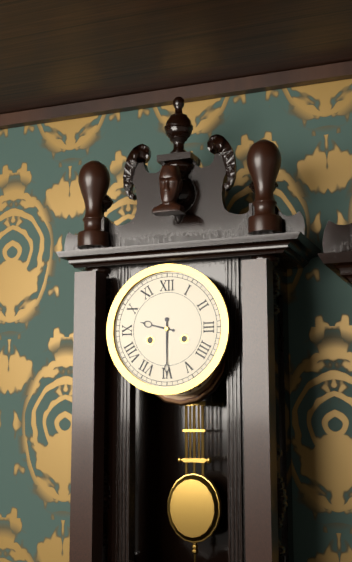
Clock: 9,30
